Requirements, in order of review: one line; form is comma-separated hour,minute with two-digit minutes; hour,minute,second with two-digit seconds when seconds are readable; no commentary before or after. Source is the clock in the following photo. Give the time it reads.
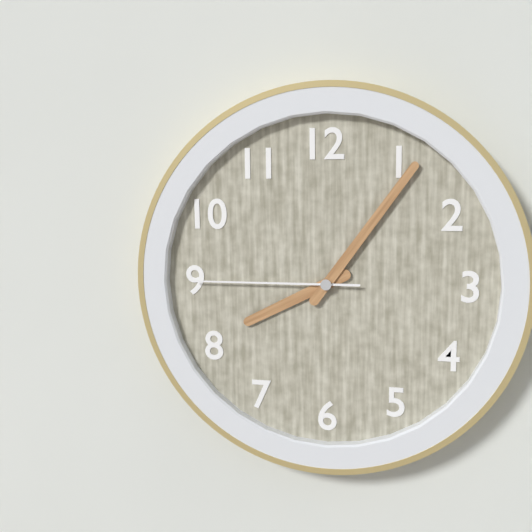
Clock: 8,06,45
